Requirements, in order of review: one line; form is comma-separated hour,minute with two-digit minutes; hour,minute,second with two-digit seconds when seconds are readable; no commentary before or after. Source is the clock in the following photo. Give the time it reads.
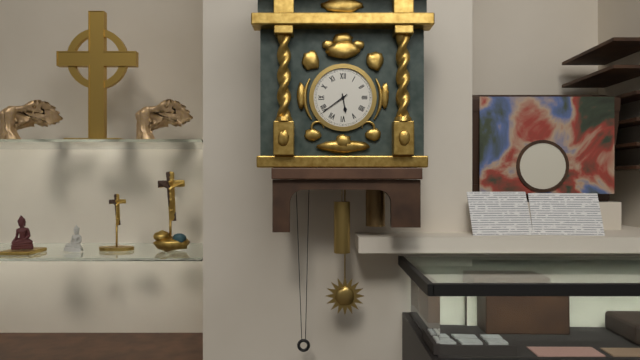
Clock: 5,39
